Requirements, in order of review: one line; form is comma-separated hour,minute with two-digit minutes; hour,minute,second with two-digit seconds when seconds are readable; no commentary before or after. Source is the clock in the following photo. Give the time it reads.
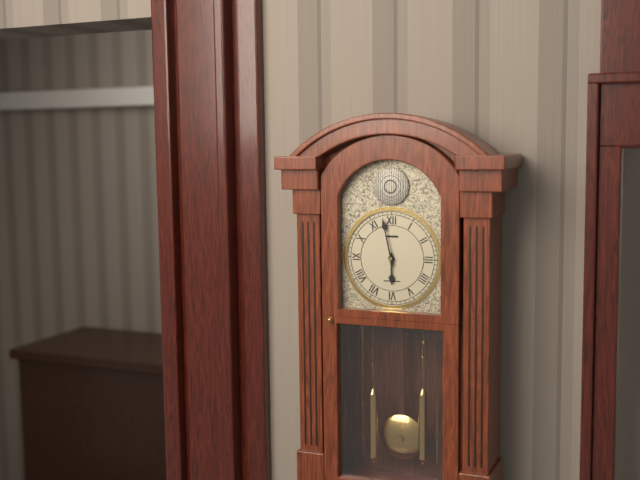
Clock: 5,58
